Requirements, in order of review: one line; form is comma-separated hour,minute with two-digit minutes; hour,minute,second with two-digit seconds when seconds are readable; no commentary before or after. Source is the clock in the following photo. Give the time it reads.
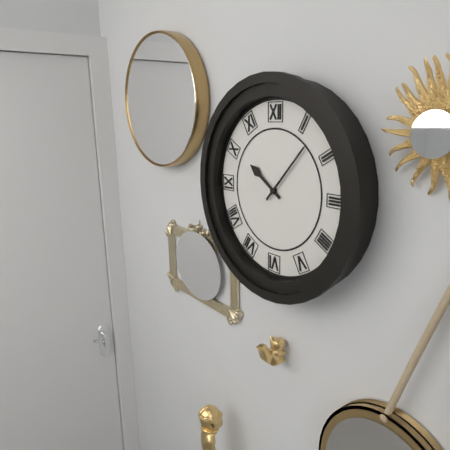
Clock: 10,07
